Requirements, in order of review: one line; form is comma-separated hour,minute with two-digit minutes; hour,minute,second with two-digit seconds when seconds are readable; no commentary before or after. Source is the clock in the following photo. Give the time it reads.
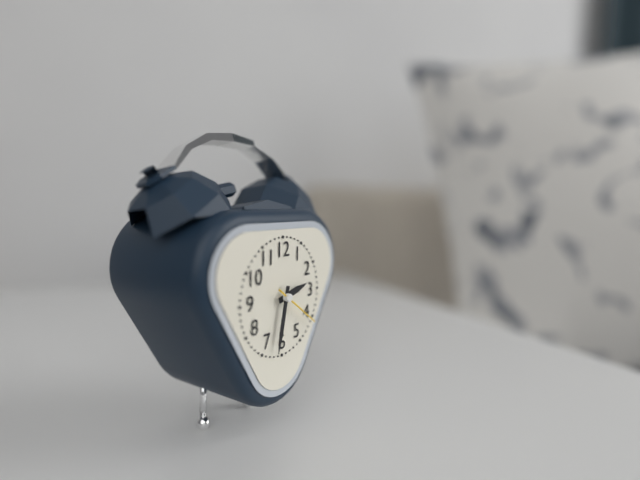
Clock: 2,32
